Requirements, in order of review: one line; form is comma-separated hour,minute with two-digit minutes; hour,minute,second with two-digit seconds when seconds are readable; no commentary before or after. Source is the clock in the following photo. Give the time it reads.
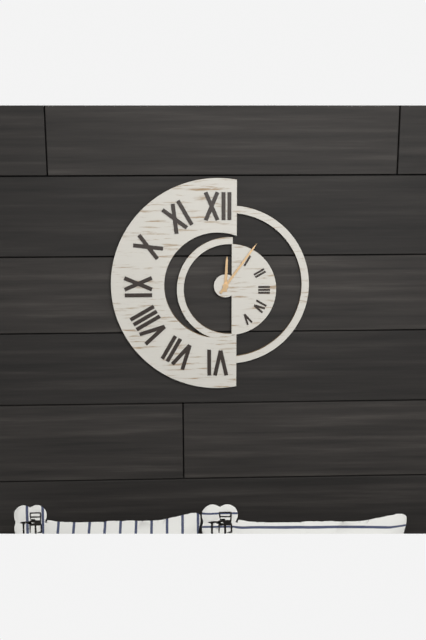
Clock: 12,06
